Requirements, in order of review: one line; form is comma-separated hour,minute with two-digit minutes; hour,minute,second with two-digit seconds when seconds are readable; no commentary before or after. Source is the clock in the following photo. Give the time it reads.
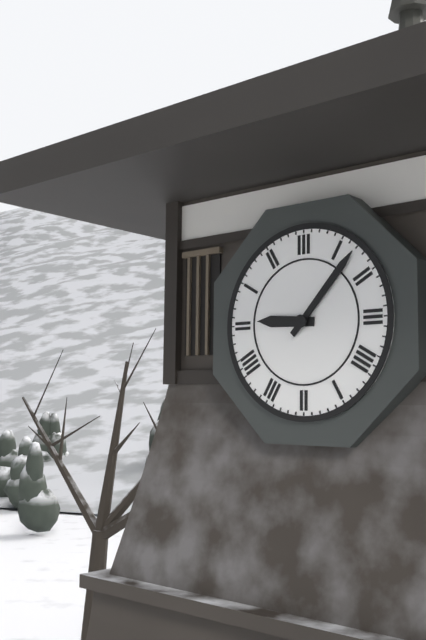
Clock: 9,07
